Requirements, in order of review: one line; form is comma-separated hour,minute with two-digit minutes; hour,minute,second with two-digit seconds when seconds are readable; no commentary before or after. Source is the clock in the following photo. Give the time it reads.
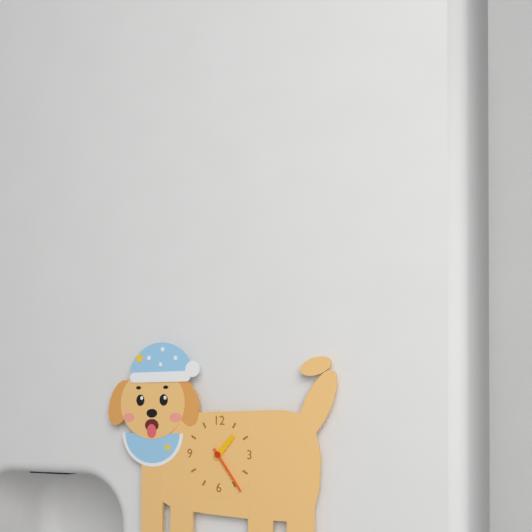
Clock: 1,24
